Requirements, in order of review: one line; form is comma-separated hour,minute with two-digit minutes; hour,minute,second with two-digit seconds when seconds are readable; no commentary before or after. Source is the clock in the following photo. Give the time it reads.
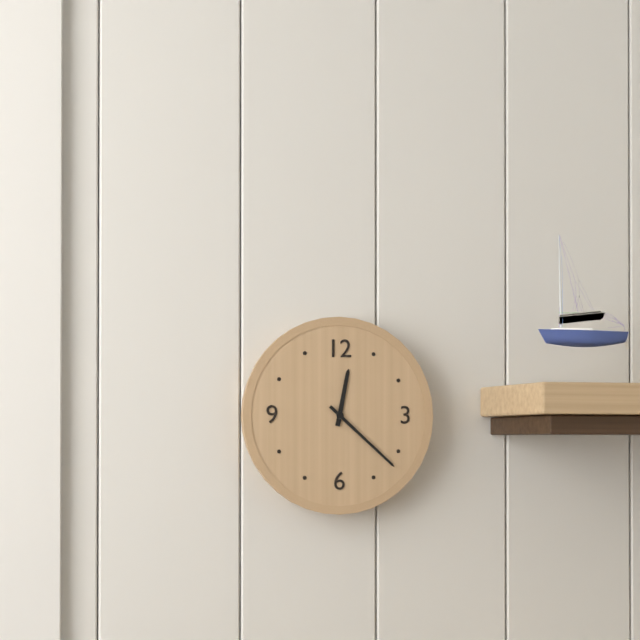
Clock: 12,22
